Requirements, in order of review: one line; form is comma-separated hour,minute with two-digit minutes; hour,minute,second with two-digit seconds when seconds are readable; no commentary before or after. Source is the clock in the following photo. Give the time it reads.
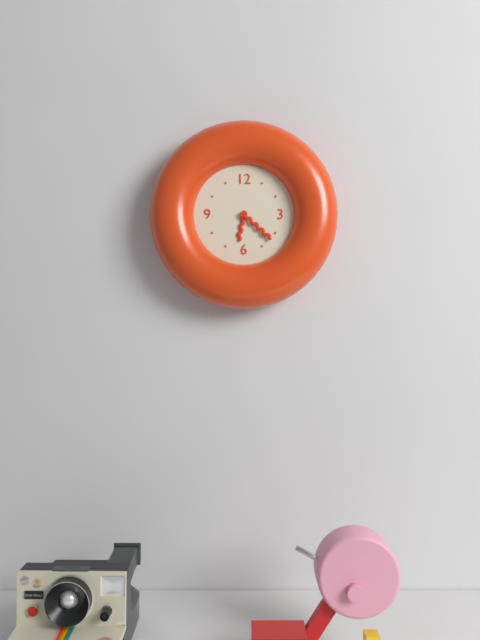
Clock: 6,22
